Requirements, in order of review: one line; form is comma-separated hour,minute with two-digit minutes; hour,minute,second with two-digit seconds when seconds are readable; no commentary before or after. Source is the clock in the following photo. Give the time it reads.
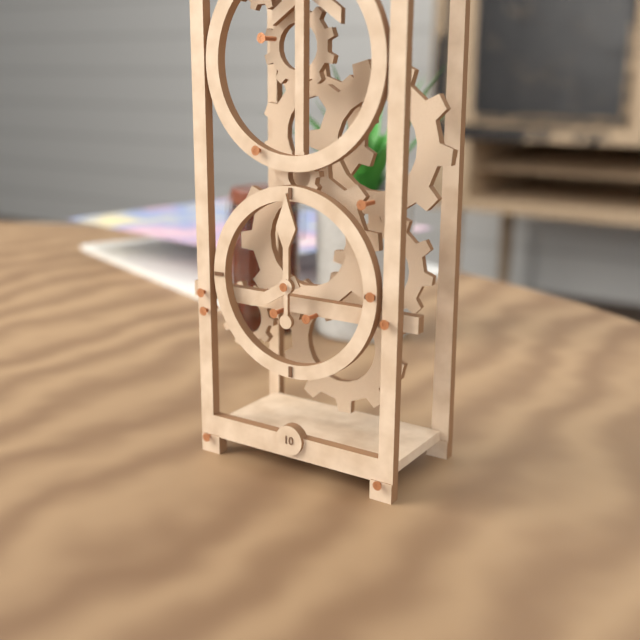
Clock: 8,00
